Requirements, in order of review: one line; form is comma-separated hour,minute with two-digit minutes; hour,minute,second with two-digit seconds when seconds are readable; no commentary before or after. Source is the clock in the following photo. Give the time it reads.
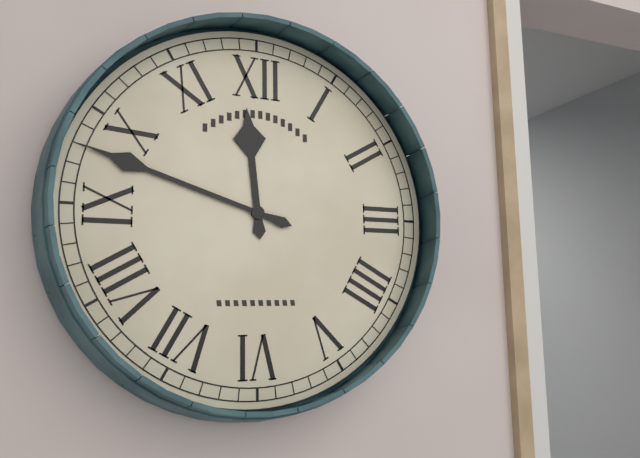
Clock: 11,48
